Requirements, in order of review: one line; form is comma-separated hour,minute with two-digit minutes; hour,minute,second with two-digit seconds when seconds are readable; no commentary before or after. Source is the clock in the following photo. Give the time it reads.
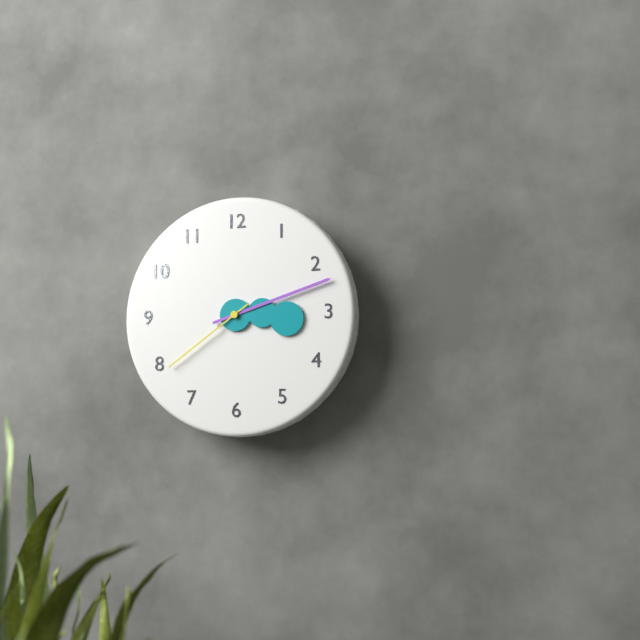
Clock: 3,12,39
